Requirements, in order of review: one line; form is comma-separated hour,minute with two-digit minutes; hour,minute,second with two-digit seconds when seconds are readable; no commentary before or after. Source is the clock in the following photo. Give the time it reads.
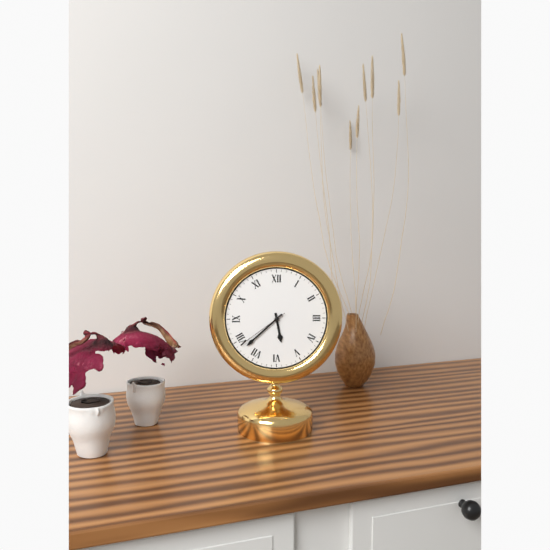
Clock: 5,38,39
